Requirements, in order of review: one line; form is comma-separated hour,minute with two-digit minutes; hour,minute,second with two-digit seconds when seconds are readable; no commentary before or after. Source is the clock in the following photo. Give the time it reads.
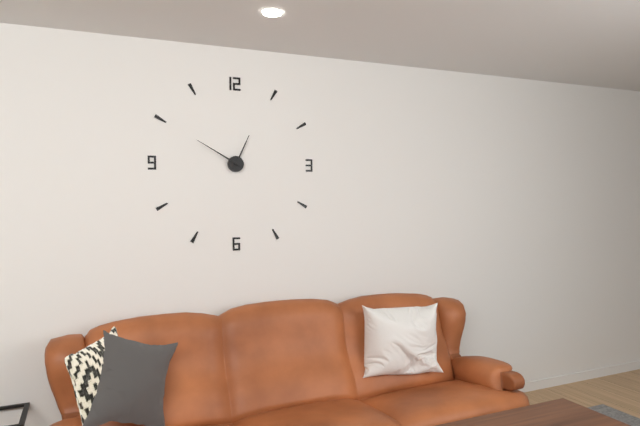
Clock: 12,50
